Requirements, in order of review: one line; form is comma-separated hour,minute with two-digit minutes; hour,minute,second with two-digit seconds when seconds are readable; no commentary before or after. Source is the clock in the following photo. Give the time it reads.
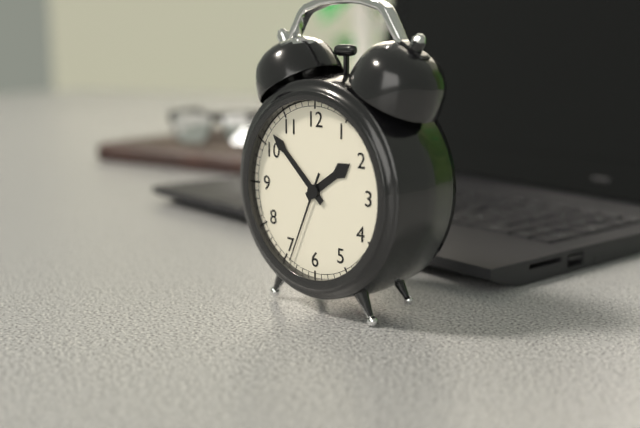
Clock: 1,52,34
